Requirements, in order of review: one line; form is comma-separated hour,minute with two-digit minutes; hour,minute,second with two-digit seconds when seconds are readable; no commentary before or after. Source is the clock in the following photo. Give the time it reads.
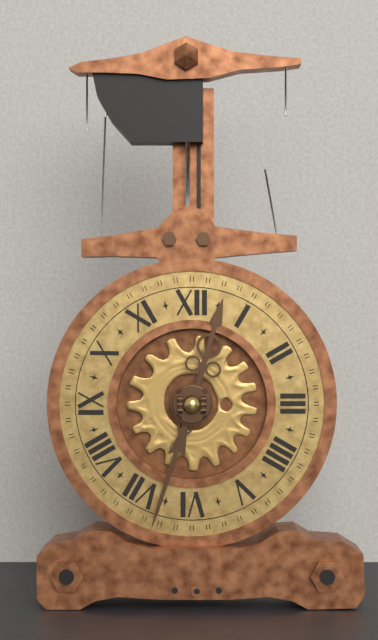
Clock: 12,33
